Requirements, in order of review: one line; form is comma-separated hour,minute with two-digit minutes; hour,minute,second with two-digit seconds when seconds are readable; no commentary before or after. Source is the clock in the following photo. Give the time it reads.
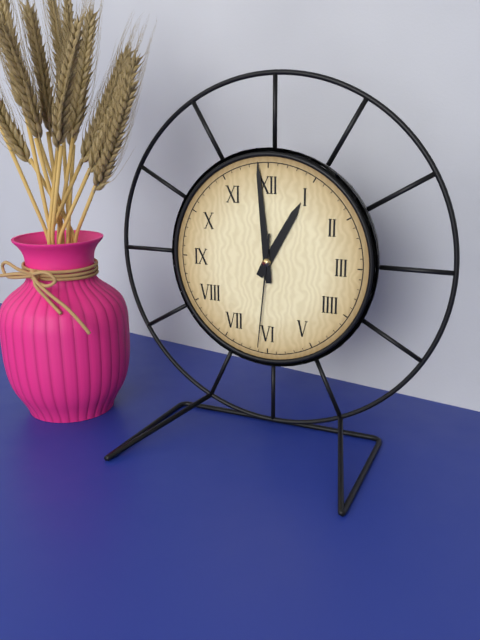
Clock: 12,59,31
